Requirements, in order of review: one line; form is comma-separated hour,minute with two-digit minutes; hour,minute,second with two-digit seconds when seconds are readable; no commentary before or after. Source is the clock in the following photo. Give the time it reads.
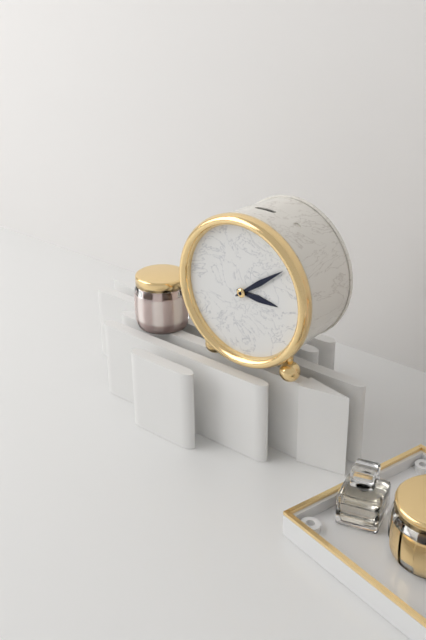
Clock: 3,09
